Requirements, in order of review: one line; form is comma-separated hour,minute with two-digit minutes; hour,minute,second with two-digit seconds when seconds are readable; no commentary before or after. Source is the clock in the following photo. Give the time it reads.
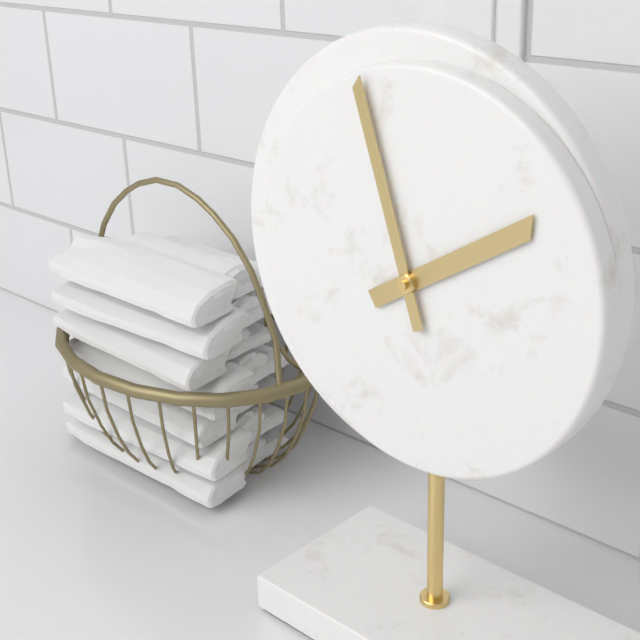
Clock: 1,57
